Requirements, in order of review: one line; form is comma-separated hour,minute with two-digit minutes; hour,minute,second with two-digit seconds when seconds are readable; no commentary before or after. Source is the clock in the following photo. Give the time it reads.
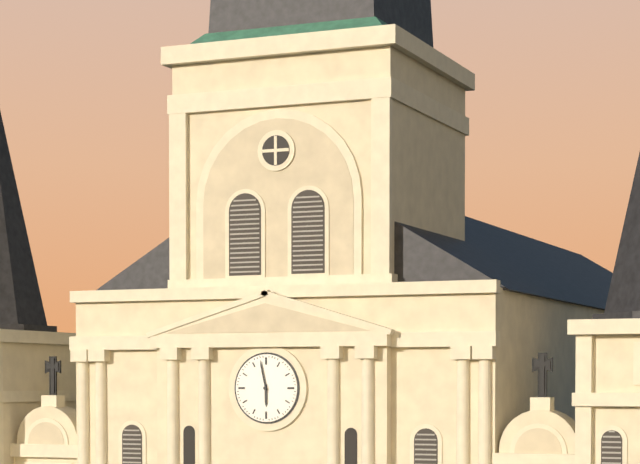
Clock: 5,58
